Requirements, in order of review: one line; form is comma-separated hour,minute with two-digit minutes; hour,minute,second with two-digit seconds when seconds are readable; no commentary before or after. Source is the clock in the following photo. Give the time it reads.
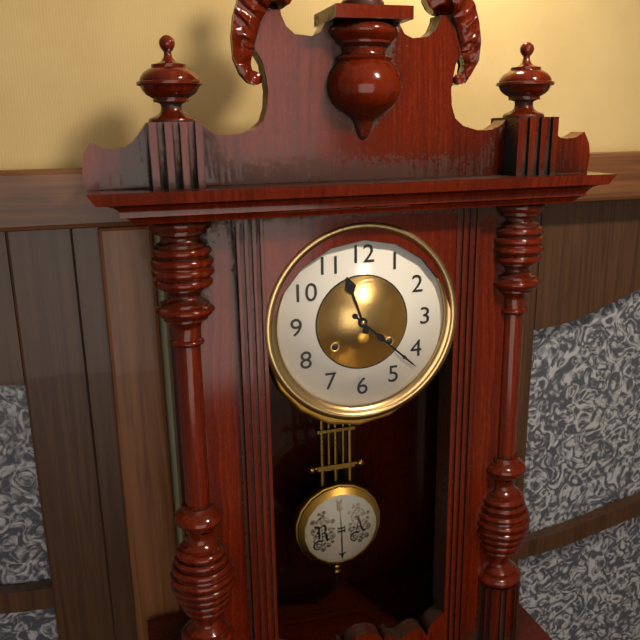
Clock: 11,22
